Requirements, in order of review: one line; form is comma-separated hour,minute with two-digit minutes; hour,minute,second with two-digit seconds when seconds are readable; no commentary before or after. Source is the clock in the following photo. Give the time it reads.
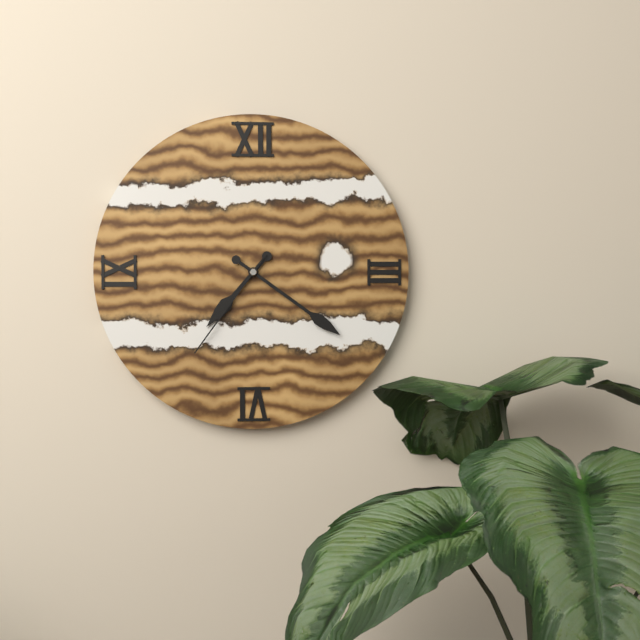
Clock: 7,21,36
